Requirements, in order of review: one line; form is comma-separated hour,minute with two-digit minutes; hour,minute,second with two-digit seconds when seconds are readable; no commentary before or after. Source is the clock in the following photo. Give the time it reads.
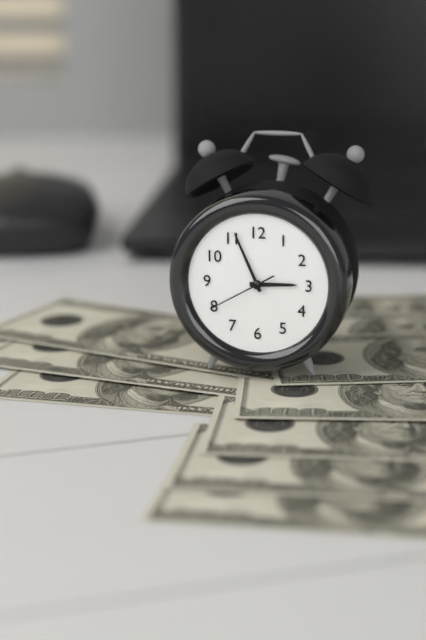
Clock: 2,56,40
